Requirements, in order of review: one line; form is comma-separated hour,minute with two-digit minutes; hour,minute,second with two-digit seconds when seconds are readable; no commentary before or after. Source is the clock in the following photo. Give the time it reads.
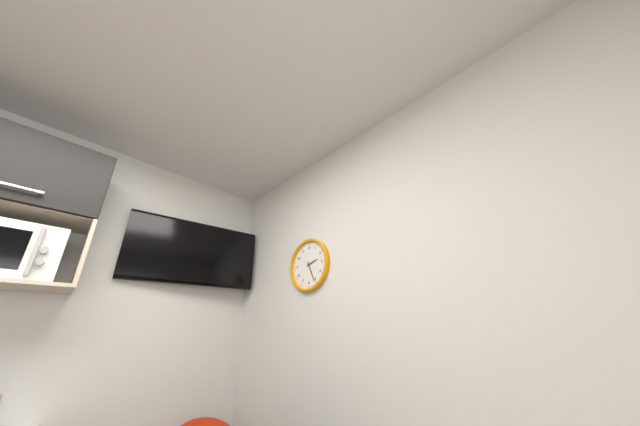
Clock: 2,26
